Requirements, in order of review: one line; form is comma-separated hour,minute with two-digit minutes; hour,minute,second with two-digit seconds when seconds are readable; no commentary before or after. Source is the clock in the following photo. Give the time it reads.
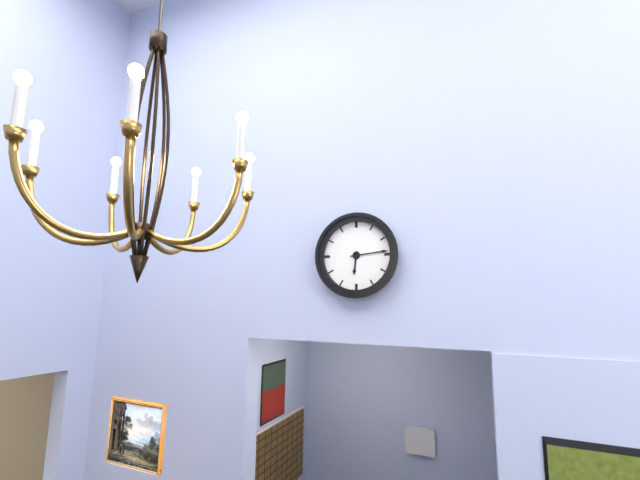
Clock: 6,14
